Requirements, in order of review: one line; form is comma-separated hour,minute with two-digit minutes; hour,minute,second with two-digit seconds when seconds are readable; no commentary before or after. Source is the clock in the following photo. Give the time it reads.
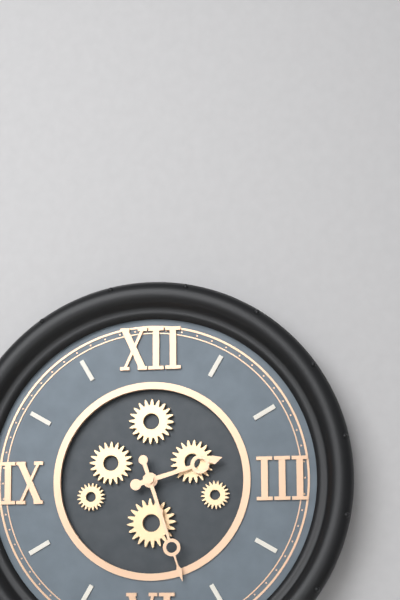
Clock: 2,27
